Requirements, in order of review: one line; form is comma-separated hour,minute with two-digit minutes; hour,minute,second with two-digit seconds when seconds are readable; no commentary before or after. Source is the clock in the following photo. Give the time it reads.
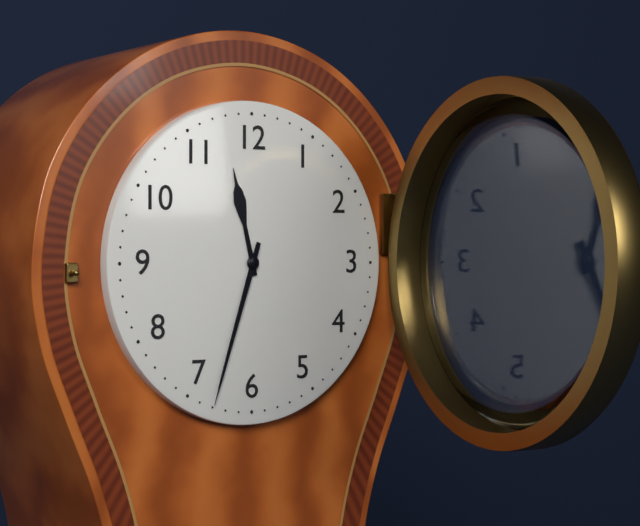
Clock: 11,33
